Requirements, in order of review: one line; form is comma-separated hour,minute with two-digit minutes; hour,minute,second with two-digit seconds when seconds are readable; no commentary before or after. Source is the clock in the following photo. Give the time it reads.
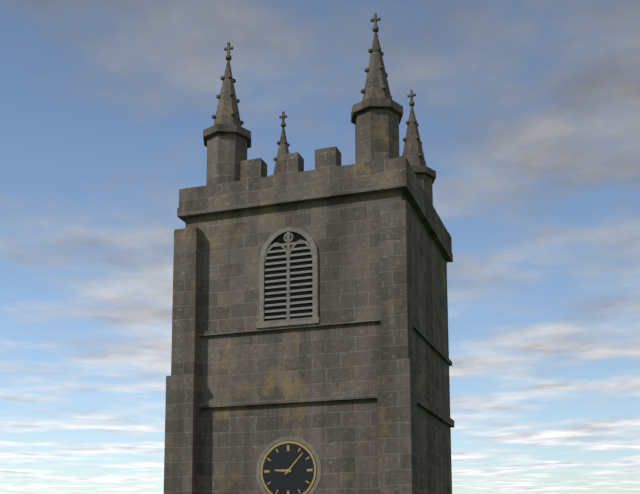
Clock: 9,07
